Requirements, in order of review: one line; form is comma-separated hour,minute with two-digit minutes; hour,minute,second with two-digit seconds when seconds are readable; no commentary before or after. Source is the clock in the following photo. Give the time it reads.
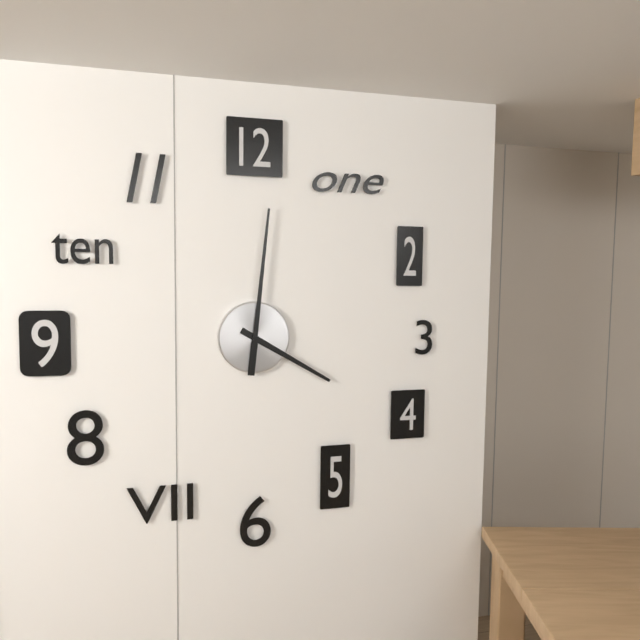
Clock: 4,01
